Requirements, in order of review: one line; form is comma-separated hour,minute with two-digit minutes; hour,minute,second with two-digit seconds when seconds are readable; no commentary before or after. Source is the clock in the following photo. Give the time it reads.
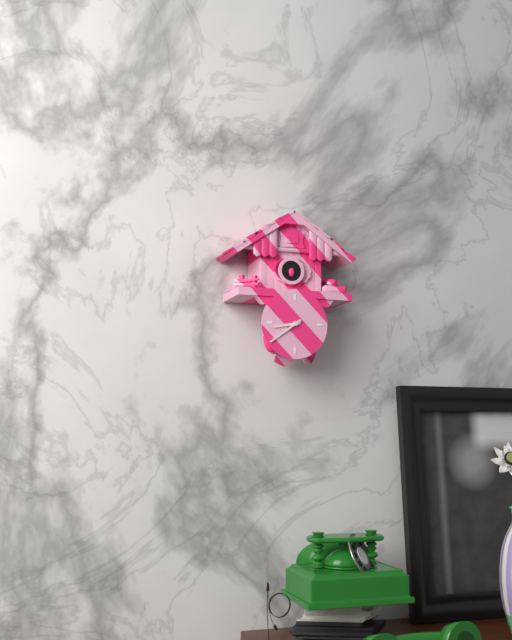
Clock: 8,39
